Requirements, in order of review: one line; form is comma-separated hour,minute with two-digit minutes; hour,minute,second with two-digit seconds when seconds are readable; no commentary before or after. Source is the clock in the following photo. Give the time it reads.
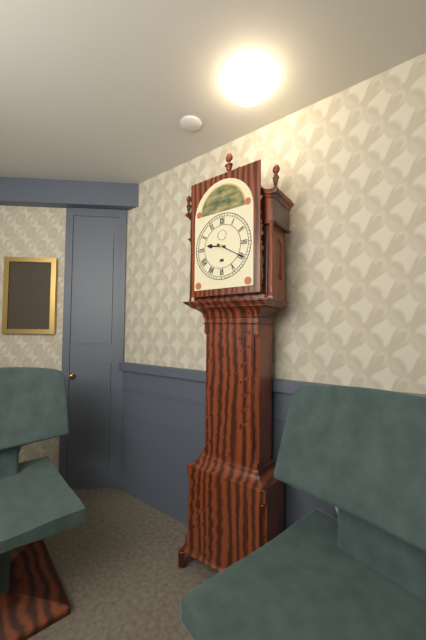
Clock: 9,20
